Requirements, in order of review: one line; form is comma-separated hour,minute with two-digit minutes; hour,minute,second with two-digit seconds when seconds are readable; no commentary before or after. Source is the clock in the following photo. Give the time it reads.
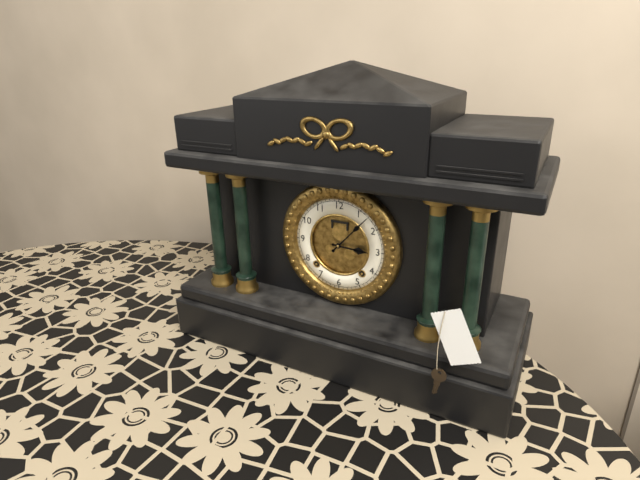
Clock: 3,07
